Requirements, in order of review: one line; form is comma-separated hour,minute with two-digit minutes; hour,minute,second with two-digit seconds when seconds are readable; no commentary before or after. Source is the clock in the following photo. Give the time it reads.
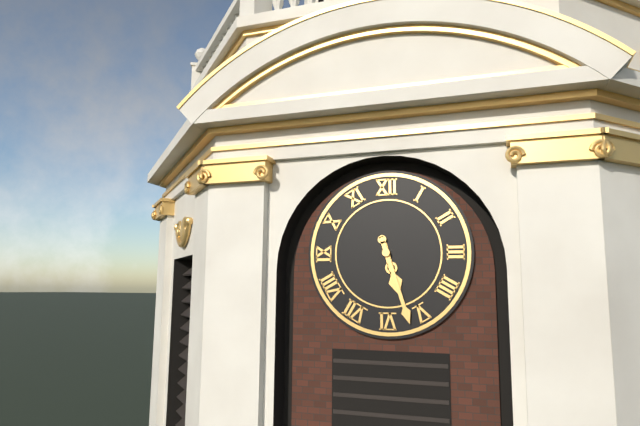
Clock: 5,27
